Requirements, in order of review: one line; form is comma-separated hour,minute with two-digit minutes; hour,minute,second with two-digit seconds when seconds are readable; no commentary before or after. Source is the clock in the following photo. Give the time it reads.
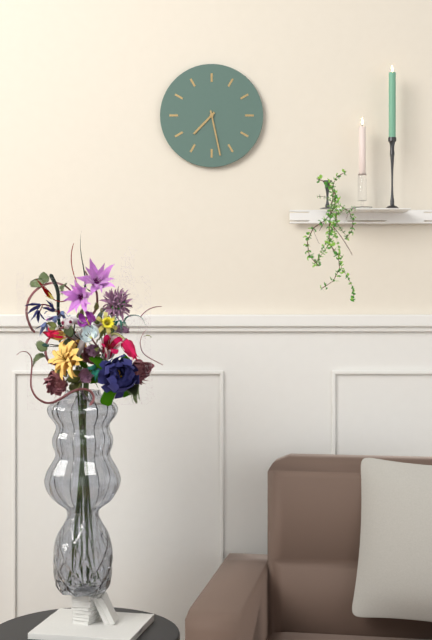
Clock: 7,28
